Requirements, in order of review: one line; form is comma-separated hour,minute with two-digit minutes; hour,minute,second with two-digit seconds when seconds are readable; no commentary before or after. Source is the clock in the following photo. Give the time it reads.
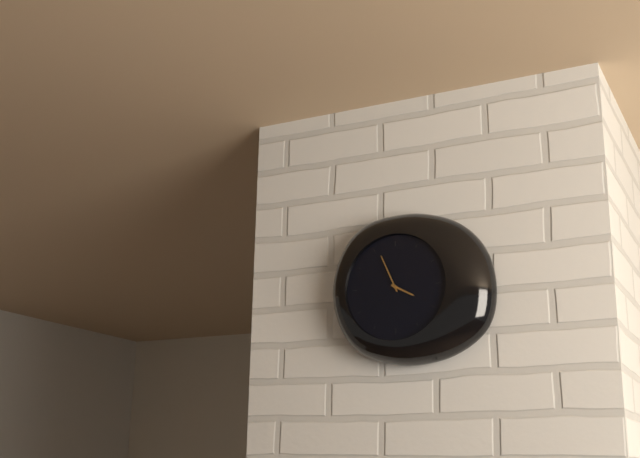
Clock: 3,56
